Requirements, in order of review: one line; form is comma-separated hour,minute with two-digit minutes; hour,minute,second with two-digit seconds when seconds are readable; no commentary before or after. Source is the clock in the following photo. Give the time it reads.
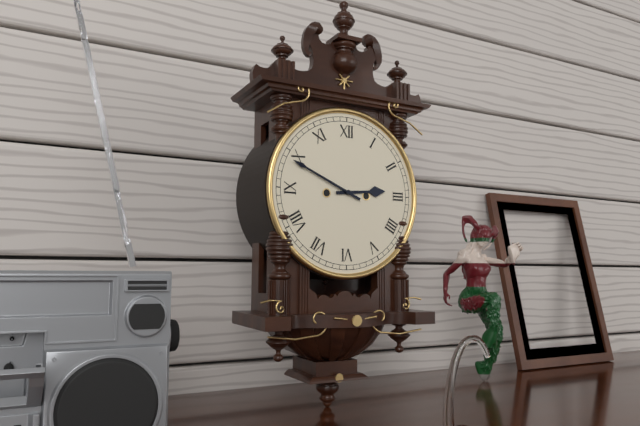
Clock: 2,49
